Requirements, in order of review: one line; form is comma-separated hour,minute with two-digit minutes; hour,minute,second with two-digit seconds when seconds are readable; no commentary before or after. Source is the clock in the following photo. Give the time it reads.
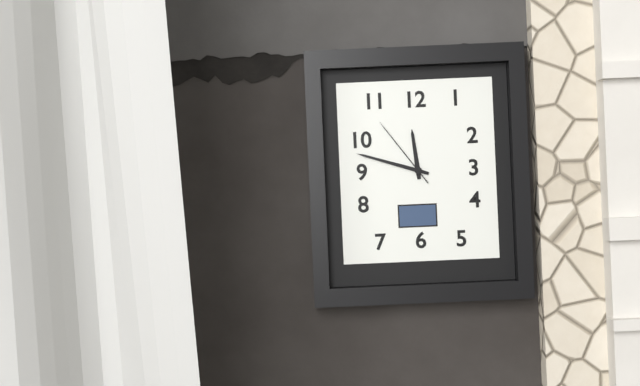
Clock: 11,48,54
